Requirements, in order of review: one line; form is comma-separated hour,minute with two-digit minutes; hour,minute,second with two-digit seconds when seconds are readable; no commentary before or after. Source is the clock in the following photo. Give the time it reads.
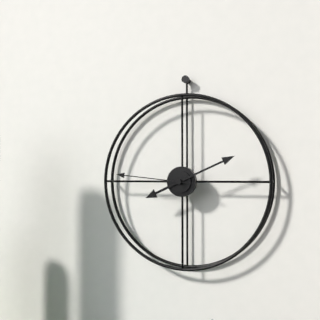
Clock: 8,11,46
